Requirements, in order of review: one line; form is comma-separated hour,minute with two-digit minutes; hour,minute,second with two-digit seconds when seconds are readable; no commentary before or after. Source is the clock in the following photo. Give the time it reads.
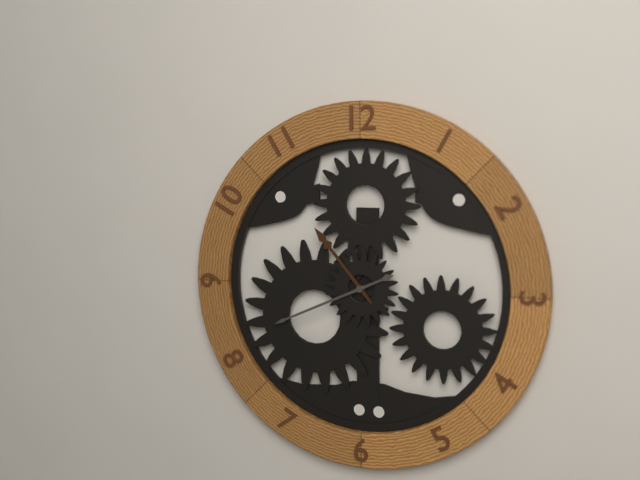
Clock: 10,41
